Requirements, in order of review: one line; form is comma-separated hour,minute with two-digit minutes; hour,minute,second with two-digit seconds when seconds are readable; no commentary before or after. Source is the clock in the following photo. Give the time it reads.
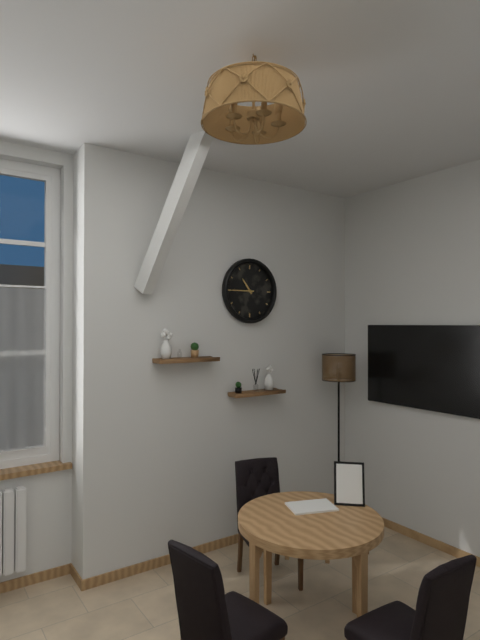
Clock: 10,45
